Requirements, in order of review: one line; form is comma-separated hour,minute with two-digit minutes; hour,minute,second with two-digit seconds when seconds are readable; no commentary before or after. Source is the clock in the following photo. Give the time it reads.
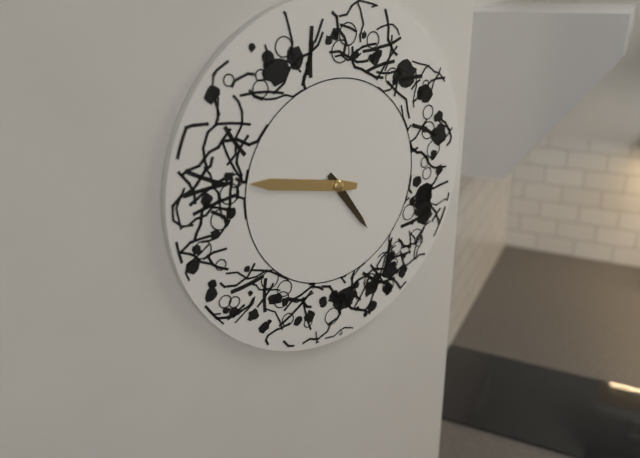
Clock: 4,47
